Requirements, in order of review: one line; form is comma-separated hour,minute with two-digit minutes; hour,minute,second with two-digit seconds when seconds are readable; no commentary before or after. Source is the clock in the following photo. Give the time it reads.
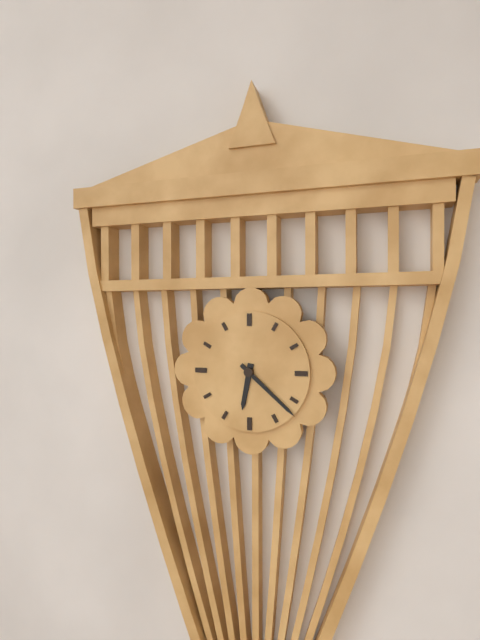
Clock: 6,22
